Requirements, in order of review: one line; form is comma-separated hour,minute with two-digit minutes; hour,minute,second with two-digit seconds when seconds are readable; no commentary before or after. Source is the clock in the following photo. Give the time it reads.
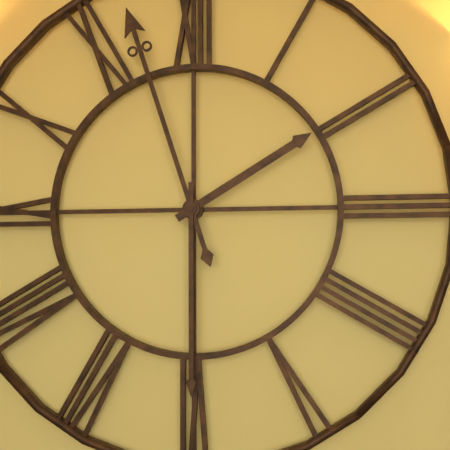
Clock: 1,57,30
